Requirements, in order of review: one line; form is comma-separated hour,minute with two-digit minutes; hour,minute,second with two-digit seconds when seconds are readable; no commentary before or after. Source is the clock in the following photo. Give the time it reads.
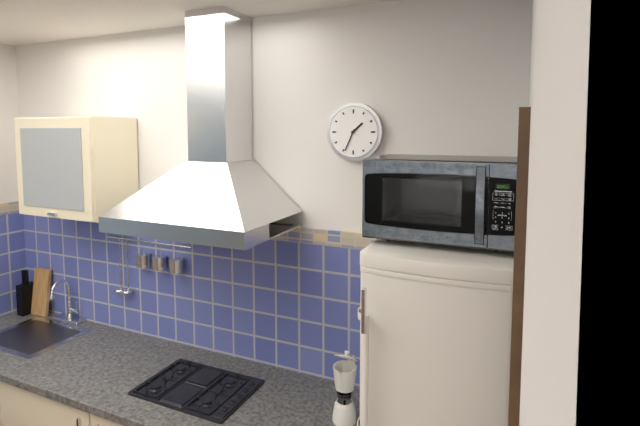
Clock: 1,34
